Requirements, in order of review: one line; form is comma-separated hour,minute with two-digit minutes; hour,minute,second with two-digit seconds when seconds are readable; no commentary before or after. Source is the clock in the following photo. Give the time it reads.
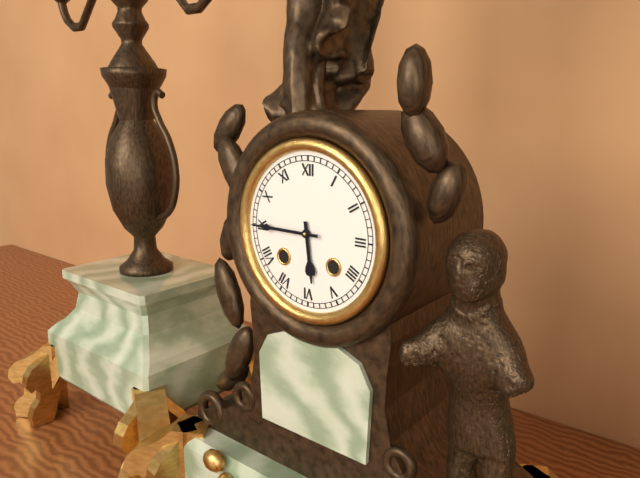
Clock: 5,45
